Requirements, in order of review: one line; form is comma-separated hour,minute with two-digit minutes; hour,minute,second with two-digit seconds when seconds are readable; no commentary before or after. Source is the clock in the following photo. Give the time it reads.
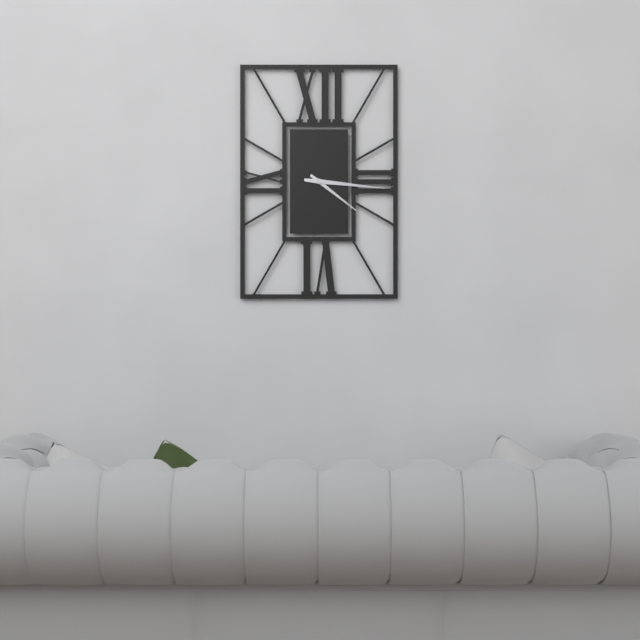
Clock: 4,16
